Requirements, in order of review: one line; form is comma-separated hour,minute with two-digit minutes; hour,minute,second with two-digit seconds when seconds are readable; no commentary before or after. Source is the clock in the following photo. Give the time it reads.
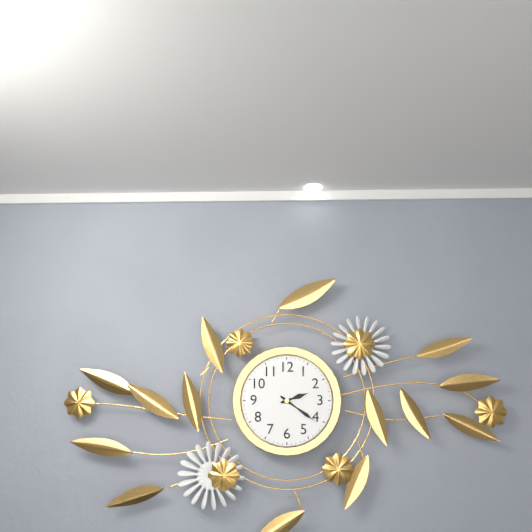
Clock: 2,21
